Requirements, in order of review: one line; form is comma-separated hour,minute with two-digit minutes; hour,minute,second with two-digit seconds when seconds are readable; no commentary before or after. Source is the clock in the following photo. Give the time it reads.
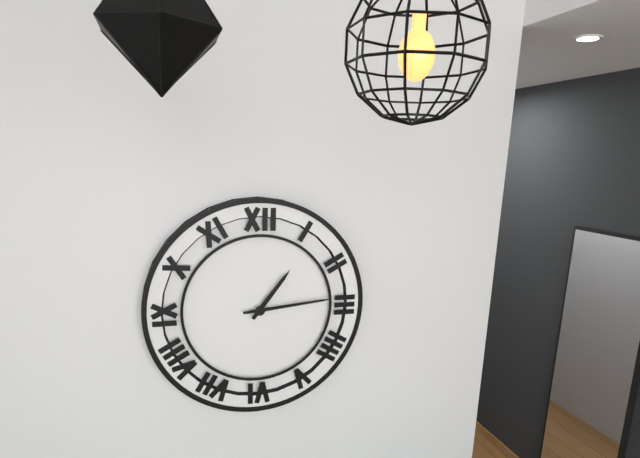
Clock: 1,14
